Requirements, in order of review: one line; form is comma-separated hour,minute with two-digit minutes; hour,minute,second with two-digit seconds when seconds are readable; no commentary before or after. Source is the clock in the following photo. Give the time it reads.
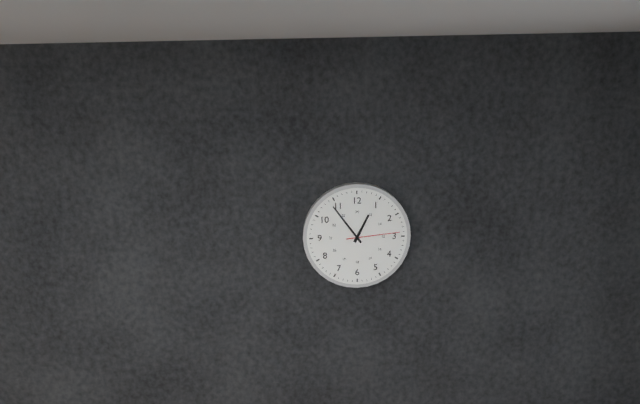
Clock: 12,54,14
